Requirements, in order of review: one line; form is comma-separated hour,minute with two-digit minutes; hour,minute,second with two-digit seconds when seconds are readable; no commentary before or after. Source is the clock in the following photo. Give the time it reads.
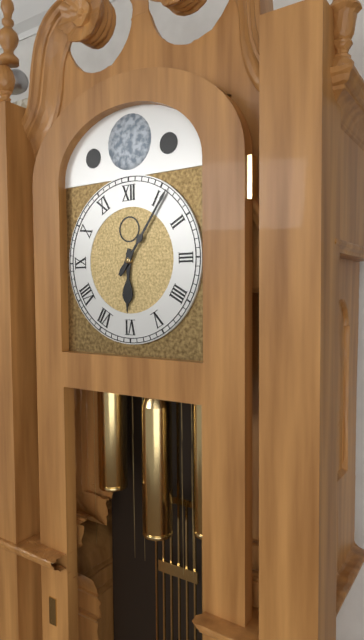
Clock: 6,06
